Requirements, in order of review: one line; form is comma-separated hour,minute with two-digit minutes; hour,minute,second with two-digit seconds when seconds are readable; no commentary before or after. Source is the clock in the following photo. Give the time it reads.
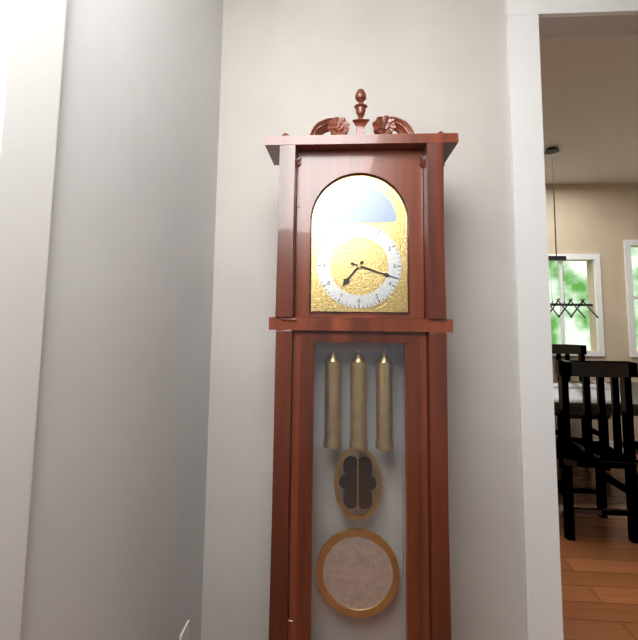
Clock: 7,18
